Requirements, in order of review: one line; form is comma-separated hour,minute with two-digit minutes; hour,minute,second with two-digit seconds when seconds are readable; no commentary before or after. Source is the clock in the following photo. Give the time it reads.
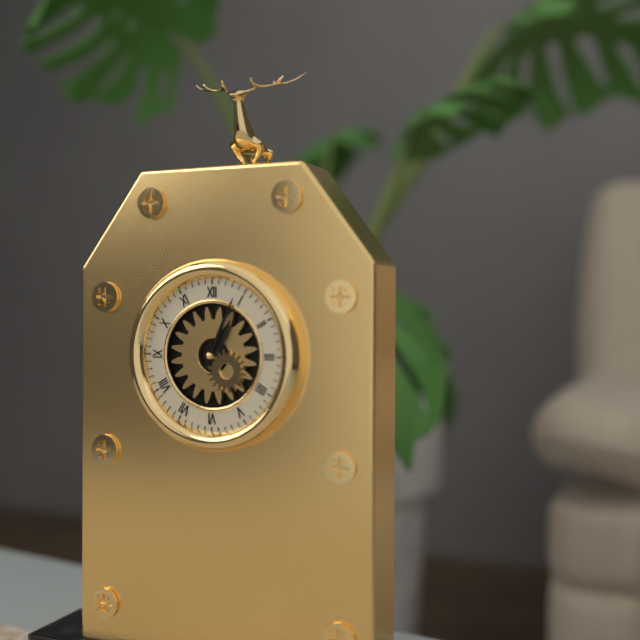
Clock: 1,04
